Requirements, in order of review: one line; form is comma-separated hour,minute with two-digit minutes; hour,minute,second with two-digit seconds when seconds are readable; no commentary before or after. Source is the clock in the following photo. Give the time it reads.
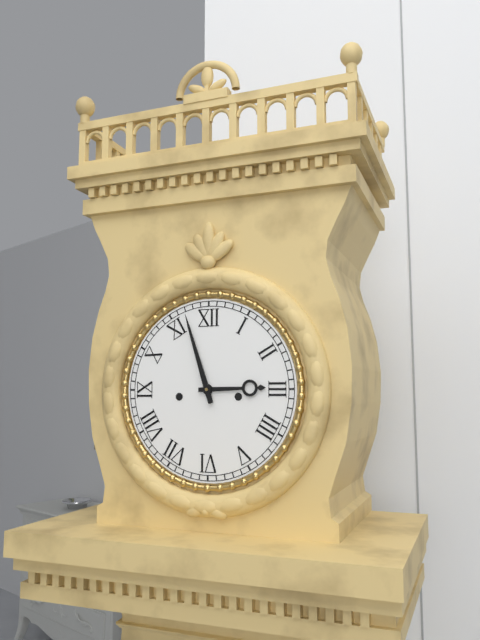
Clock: 2,57
